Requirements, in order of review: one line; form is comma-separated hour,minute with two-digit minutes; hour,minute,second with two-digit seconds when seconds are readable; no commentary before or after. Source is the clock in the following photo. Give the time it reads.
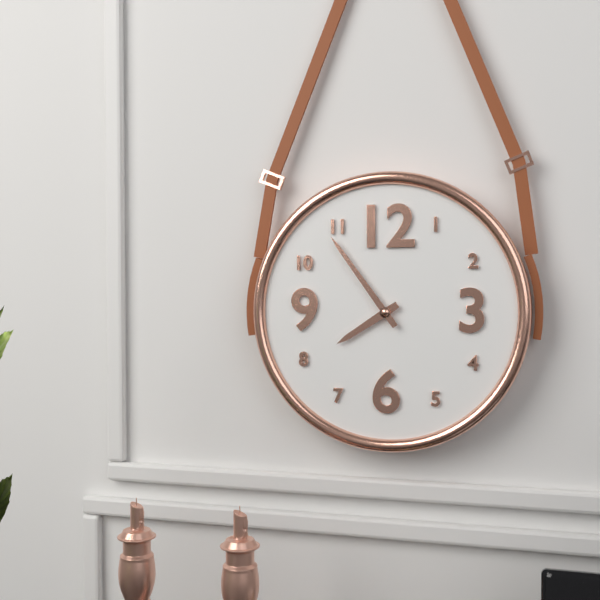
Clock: 7,54
